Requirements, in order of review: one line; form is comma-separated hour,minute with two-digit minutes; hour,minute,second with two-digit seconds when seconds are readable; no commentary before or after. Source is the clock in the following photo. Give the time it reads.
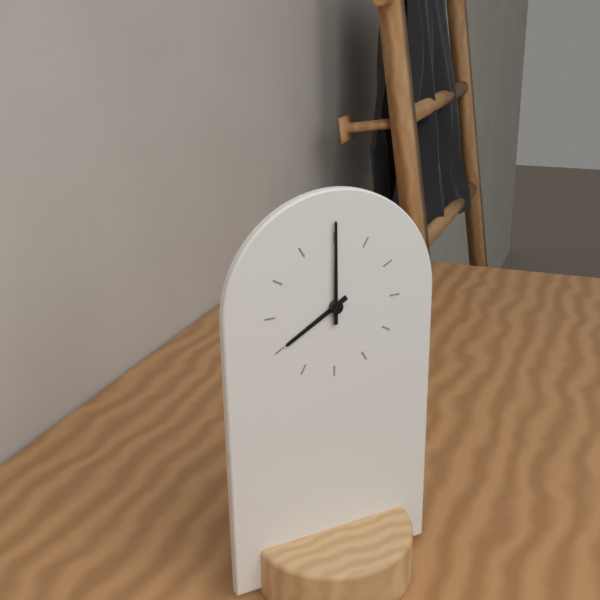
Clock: 8,00
